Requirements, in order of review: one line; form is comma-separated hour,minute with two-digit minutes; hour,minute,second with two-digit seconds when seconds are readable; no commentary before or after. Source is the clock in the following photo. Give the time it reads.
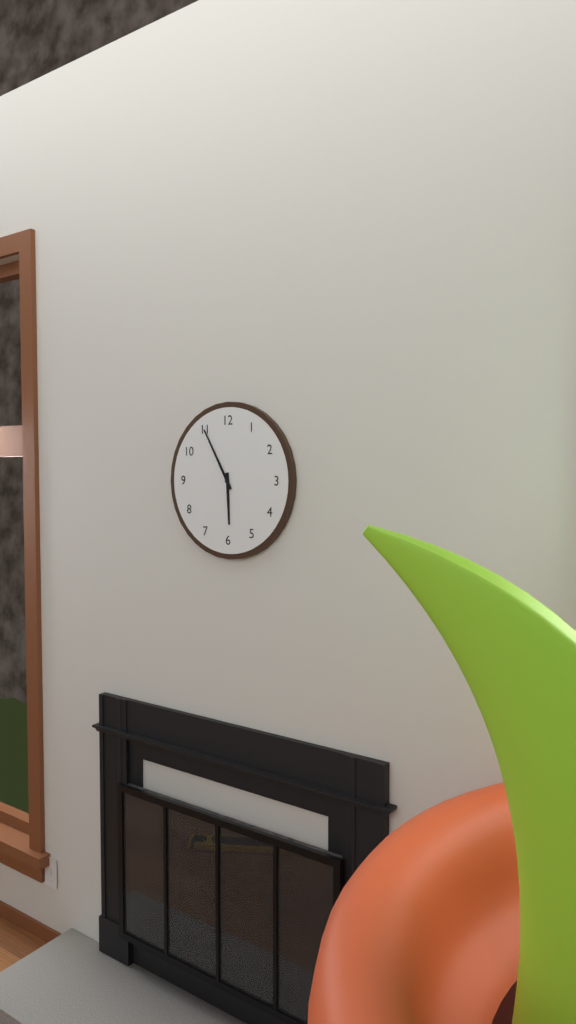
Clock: 5,55
